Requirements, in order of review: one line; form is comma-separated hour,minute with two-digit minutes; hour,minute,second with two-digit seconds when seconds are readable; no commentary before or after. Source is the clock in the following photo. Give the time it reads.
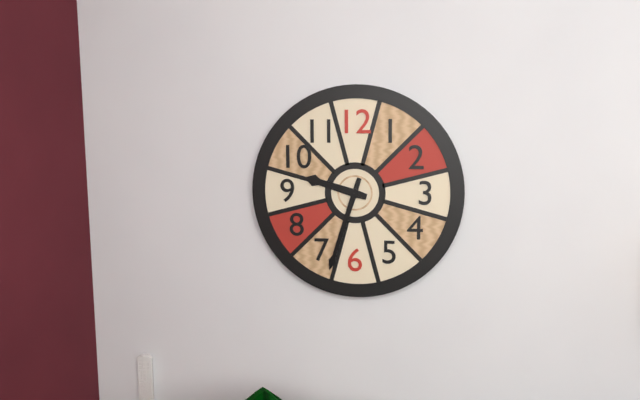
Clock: 9,33
